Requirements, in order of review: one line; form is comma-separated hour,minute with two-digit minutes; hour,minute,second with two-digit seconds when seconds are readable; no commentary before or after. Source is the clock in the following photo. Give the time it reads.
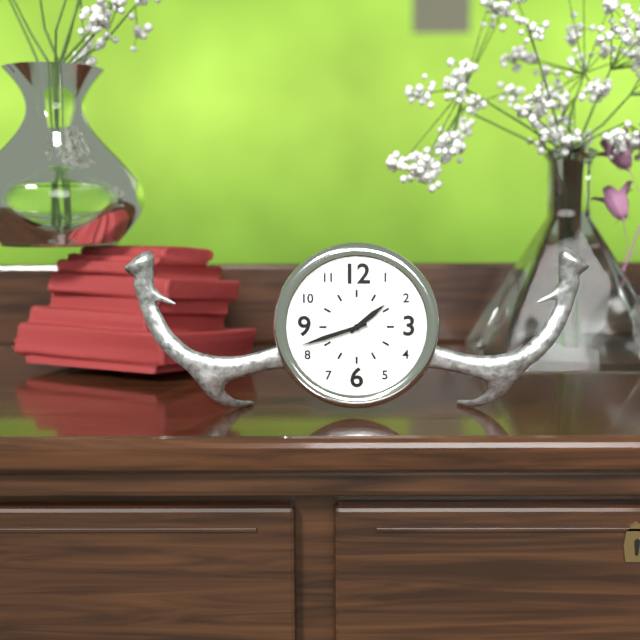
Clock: 1,42
